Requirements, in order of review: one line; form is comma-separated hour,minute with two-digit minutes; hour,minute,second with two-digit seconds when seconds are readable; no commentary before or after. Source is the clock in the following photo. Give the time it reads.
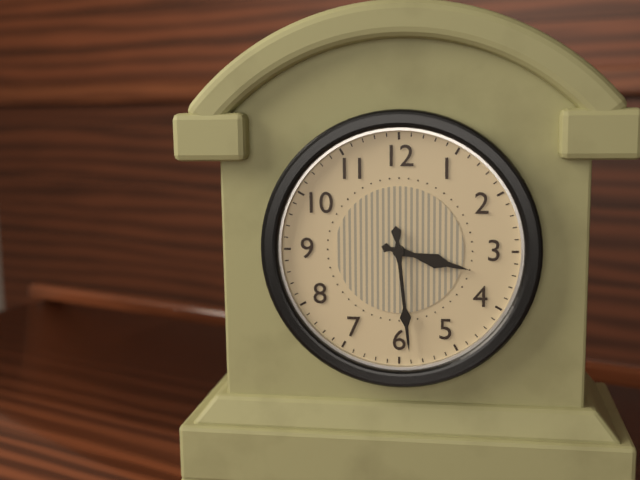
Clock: 3,29
